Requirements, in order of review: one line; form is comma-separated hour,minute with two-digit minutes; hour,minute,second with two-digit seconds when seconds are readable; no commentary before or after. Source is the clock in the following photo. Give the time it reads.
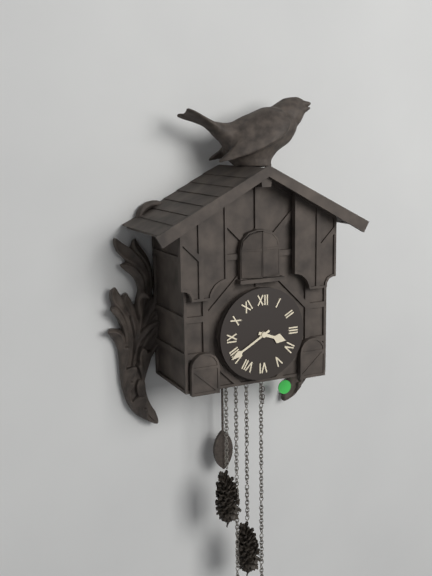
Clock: 3,40
